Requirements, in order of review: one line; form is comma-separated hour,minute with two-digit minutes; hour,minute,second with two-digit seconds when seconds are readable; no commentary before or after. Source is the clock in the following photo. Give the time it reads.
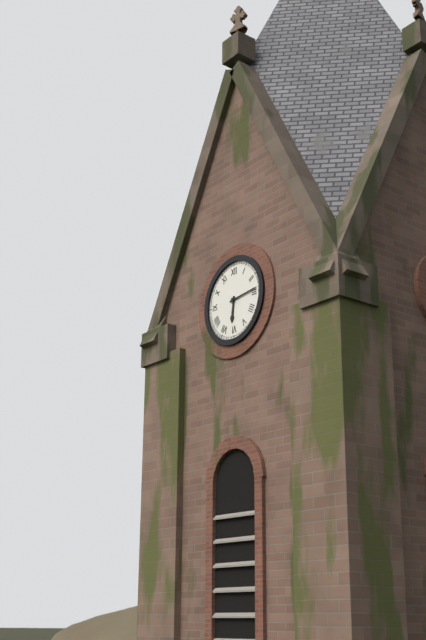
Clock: 6,14
